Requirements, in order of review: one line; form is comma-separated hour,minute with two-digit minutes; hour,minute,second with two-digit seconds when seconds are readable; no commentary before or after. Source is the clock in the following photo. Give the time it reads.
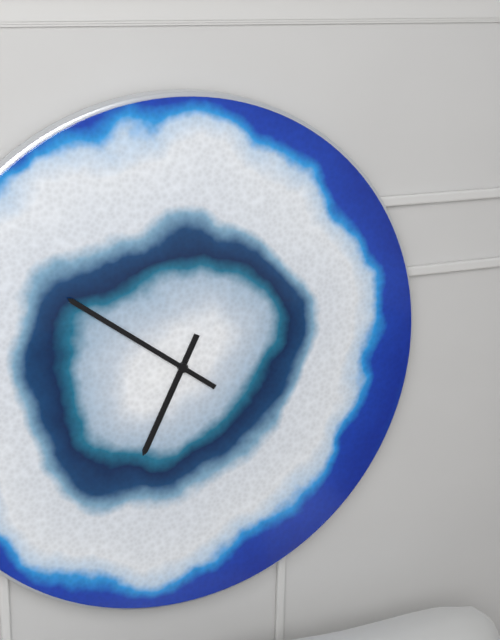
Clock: 6,51
